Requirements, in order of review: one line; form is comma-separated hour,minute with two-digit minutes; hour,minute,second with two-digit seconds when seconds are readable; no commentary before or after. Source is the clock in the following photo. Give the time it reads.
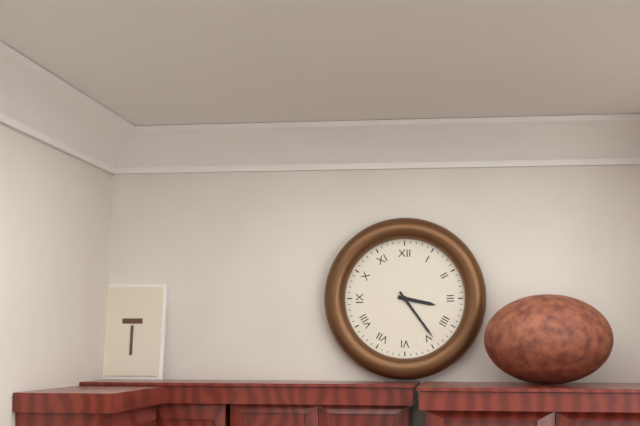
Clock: 3,24
